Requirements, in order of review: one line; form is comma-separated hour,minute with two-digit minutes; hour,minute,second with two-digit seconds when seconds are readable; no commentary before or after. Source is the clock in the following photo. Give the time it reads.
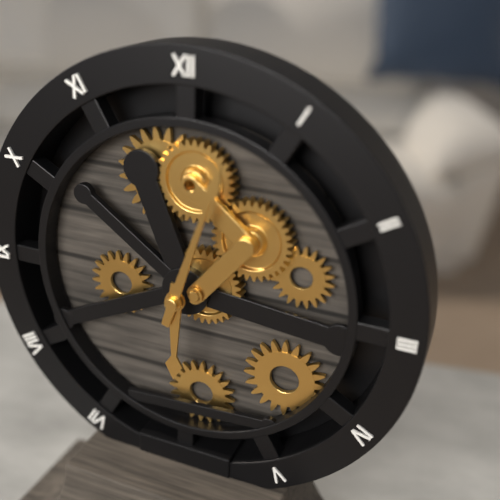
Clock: 6,03
